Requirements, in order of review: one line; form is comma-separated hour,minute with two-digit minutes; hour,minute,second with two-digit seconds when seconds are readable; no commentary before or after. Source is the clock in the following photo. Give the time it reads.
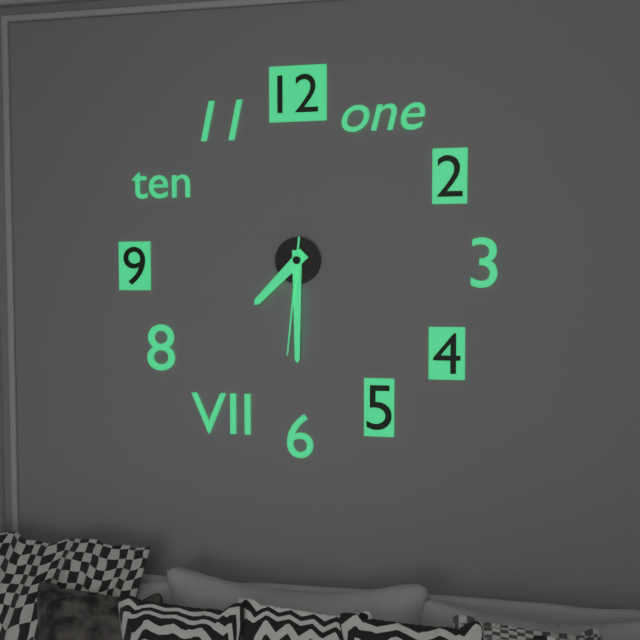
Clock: 7,30,31
